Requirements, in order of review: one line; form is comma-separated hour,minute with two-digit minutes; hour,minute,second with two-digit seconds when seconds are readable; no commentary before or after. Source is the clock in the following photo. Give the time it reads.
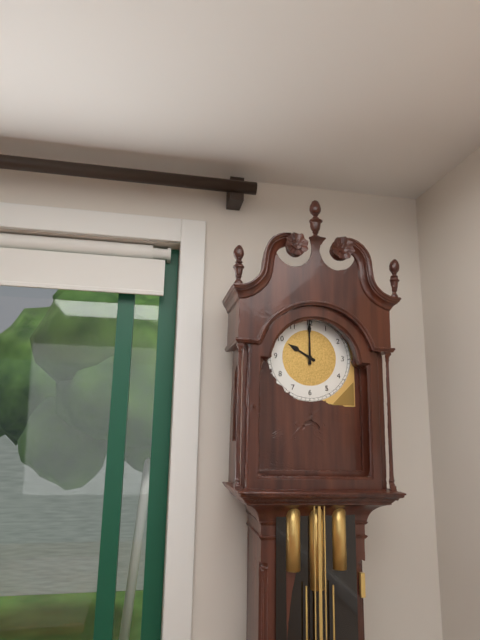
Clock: 10,00
